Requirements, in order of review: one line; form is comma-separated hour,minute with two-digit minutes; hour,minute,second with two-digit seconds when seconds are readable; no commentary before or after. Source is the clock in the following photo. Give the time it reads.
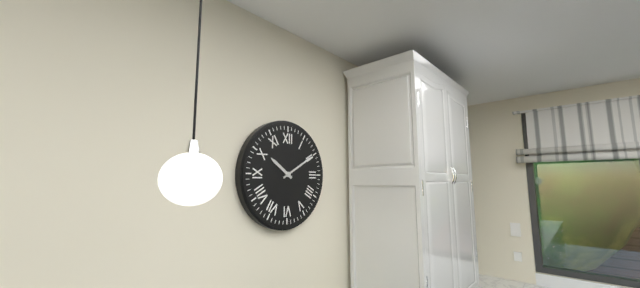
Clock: 10,10
